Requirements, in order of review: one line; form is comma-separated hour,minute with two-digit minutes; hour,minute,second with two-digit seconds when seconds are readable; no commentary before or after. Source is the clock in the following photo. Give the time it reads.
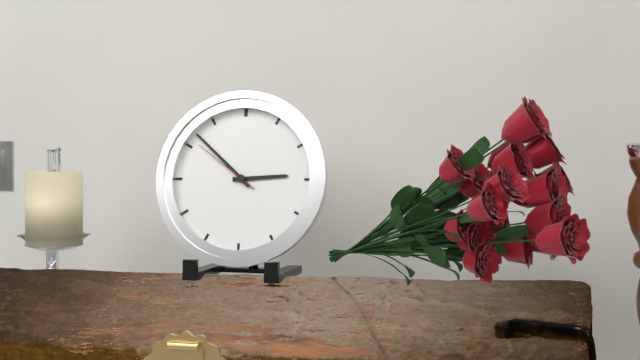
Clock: 2,52,51
